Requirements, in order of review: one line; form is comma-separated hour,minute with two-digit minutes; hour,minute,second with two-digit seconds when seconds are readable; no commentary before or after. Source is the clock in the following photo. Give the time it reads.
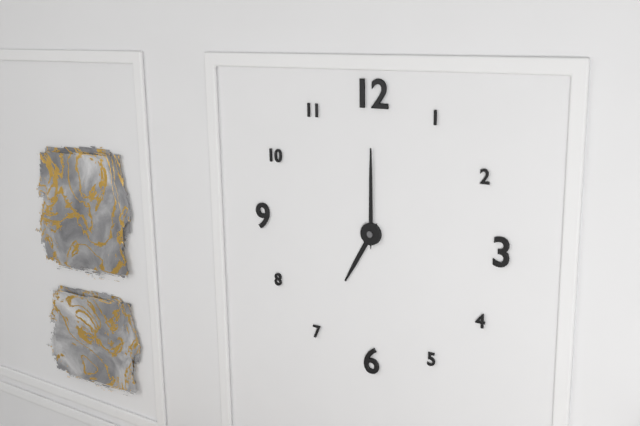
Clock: 7,00
